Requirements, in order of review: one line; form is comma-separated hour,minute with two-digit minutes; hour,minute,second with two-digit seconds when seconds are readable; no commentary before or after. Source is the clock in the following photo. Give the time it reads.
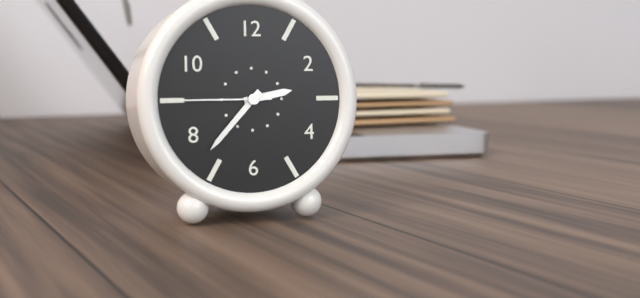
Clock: 2,37,45
